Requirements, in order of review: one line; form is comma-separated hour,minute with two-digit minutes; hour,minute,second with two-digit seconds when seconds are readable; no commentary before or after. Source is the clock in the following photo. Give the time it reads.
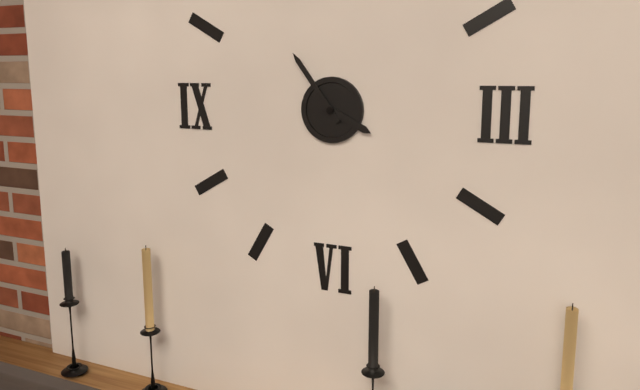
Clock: 3,54
